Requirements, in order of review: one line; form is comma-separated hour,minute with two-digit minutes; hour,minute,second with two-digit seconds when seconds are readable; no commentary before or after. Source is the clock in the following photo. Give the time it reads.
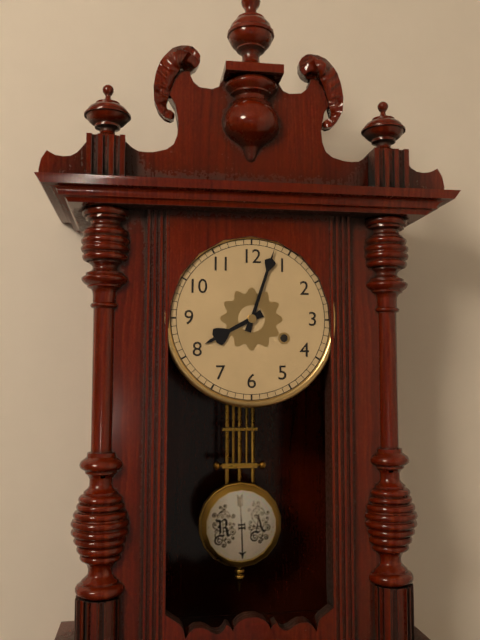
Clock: 8,03
